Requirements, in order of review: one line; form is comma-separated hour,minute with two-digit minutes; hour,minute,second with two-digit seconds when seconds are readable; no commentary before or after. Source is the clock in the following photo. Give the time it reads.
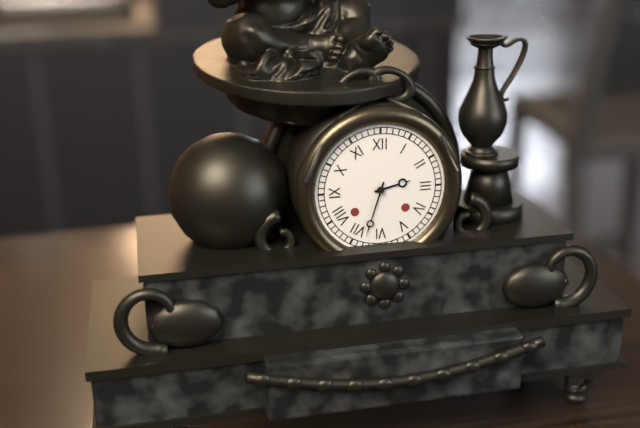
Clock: 2,33
